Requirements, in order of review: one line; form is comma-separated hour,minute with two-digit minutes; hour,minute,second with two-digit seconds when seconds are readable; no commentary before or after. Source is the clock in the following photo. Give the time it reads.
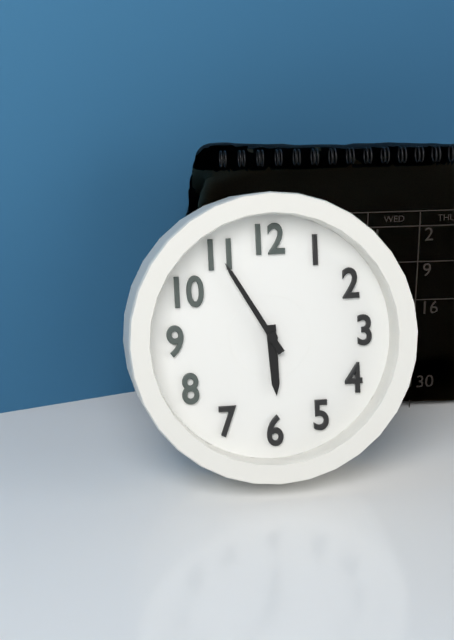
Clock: 5,55
